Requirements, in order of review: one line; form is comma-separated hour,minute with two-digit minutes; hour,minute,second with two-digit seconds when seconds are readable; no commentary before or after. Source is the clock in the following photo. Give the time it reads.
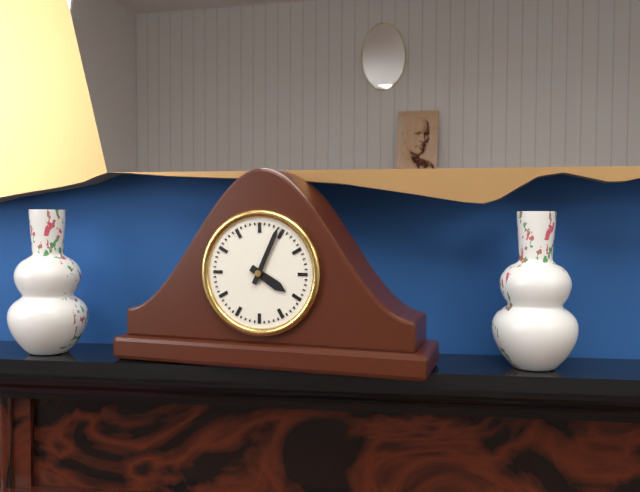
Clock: 4,04
